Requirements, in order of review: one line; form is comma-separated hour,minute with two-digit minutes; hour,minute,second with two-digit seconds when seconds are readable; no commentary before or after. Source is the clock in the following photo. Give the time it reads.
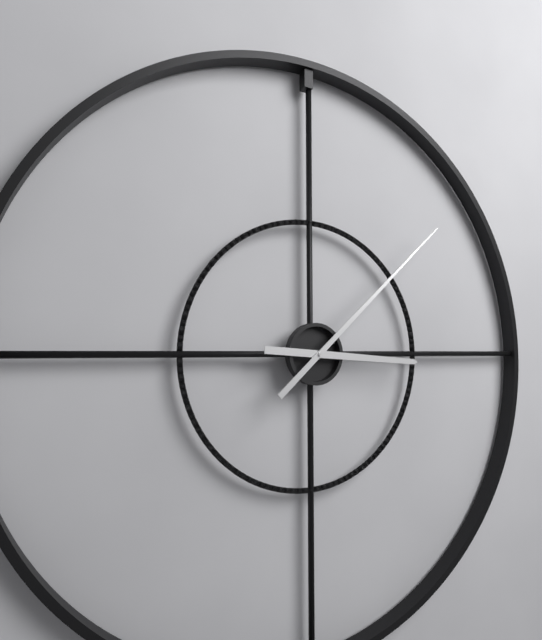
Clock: 3,08
